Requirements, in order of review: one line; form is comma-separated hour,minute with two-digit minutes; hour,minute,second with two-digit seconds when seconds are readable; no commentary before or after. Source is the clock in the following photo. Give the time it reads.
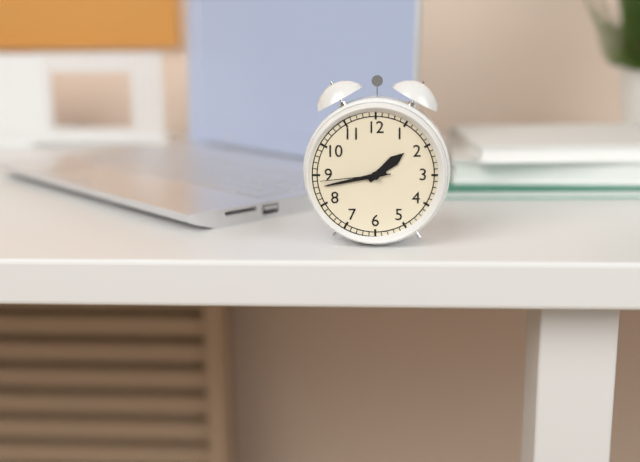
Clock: 1,43,44
